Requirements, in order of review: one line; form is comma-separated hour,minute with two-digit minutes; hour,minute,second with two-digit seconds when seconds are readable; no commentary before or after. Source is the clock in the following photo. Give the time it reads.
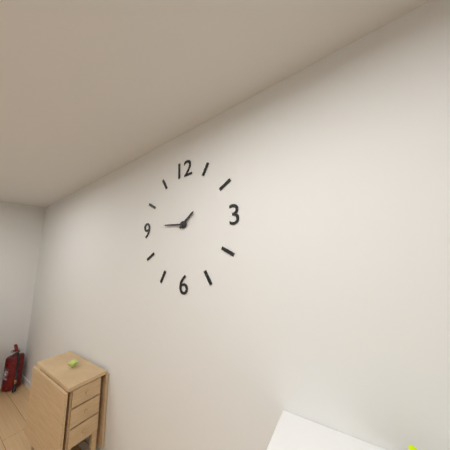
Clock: 1,46
